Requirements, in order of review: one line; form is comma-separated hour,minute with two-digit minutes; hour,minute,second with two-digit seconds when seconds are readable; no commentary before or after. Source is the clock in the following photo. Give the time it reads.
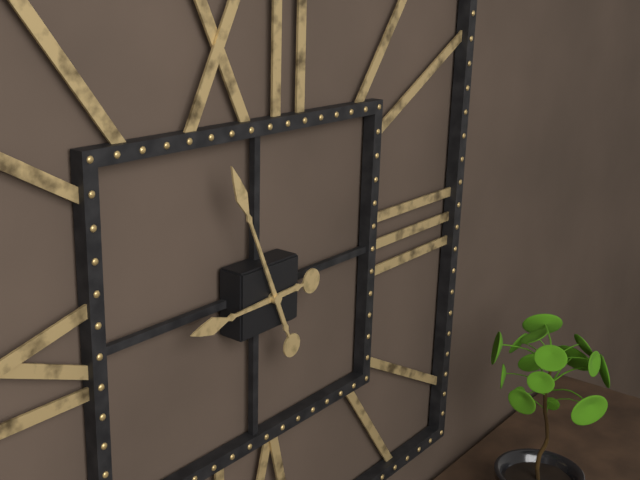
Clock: 8,56
